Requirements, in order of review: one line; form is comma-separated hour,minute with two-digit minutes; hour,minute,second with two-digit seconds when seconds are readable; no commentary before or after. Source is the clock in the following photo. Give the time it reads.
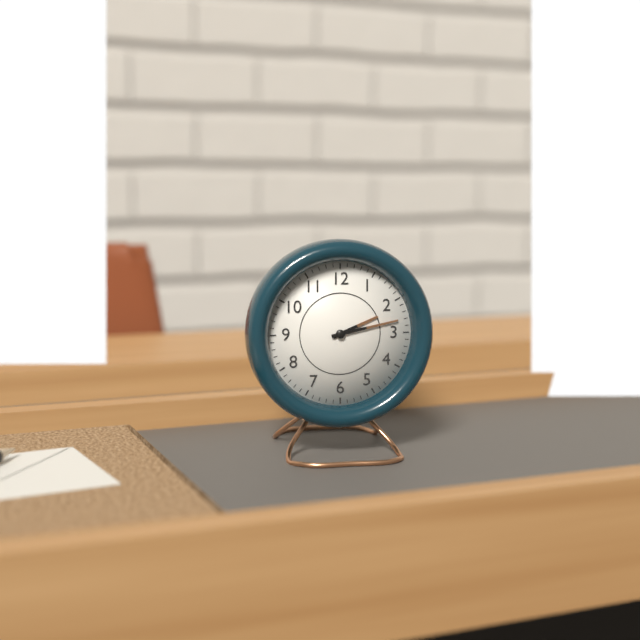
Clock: 2,13
